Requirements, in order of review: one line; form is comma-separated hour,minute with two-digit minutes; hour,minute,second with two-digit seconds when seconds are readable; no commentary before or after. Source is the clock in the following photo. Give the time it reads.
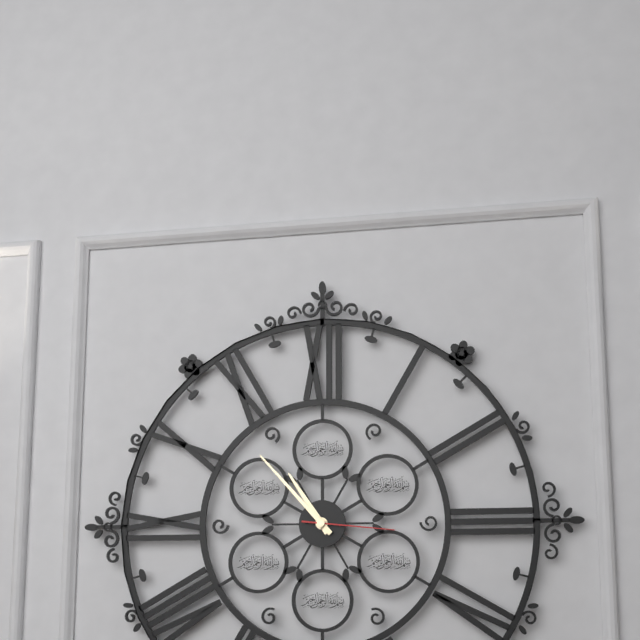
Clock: 10,53,16
